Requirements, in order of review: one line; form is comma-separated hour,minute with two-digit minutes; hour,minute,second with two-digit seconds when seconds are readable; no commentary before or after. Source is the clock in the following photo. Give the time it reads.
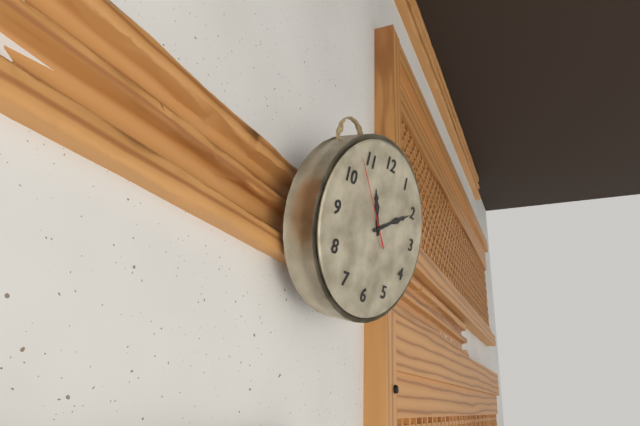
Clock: 11,10,53
